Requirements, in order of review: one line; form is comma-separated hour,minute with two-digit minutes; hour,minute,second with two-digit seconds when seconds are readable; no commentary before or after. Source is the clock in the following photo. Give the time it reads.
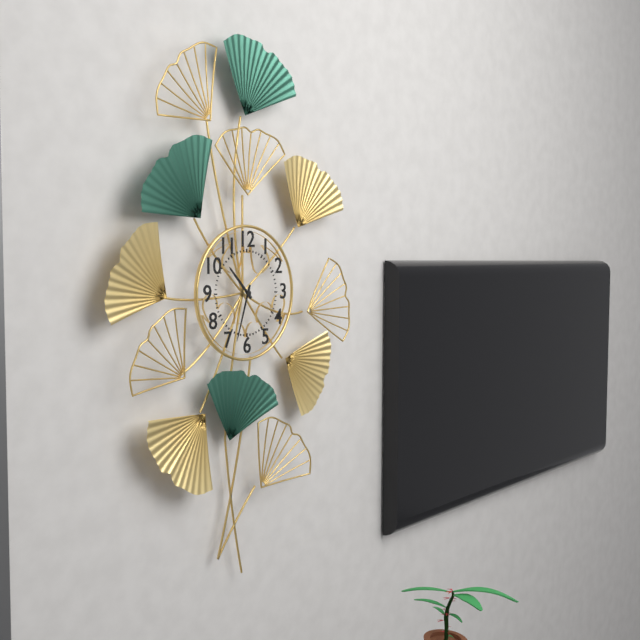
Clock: 10,33
